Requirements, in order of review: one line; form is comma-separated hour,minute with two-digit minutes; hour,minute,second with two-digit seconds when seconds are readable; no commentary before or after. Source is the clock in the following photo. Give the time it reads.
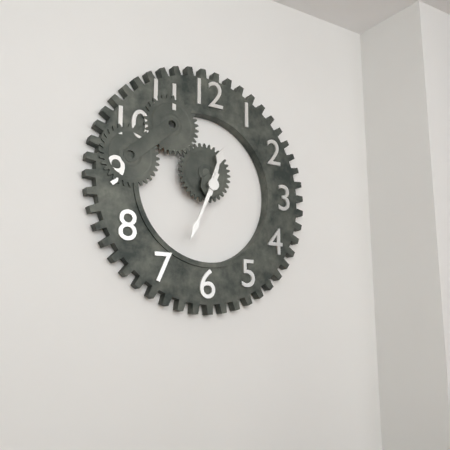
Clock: 12,34
